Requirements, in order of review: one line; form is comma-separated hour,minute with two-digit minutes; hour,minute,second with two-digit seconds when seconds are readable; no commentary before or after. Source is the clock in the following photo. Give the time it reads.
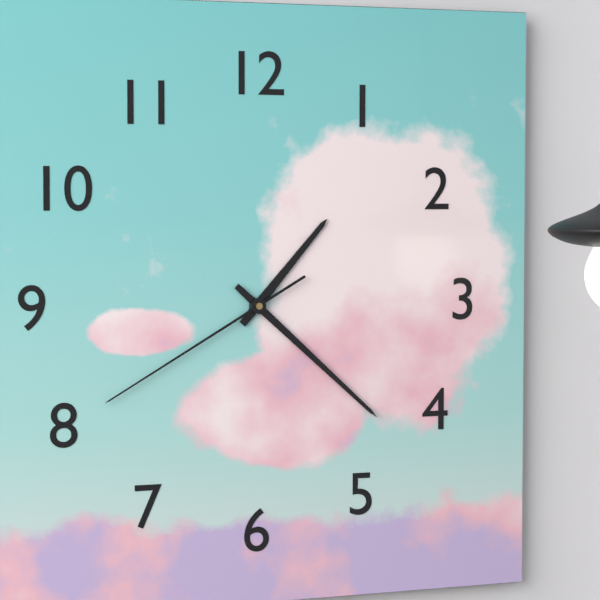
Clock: 1,22,40
